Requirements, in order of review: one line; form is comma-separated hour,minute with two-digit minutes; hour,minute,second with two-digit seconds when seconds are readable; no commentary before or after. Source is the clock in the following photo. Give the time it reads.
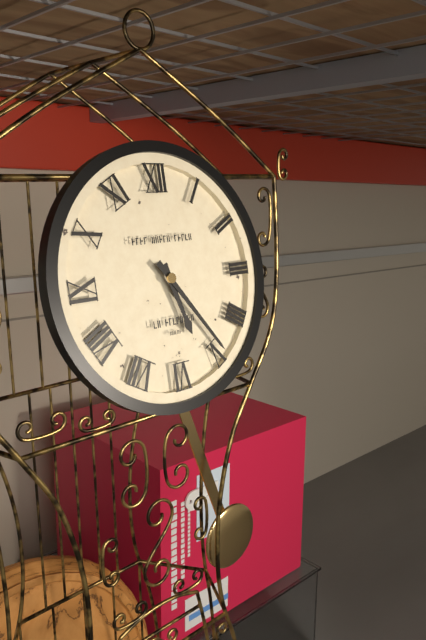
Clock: 5,24
